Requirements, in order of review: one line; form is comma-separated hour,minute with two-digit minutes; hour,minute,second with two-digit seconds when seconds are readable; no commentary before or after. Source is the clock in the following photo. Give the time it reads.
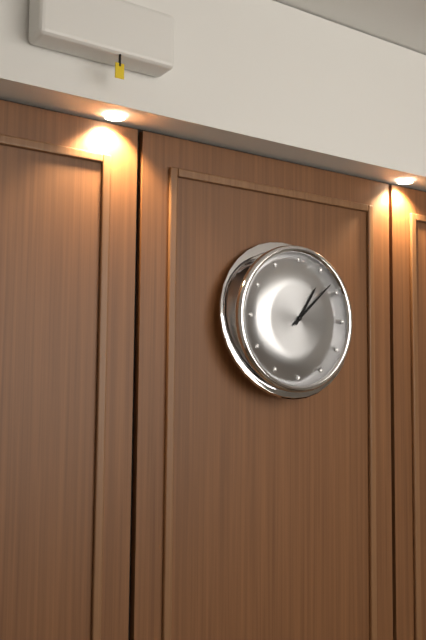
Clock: 1,08
